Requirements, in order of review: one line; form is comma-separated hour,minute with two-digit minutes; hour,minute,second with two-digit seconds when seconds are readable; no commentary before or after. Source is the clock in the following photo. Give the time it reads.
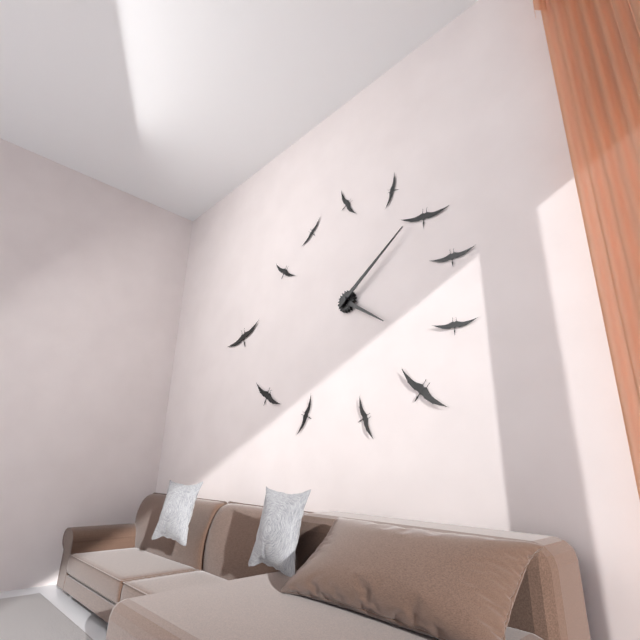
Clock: 4,09
